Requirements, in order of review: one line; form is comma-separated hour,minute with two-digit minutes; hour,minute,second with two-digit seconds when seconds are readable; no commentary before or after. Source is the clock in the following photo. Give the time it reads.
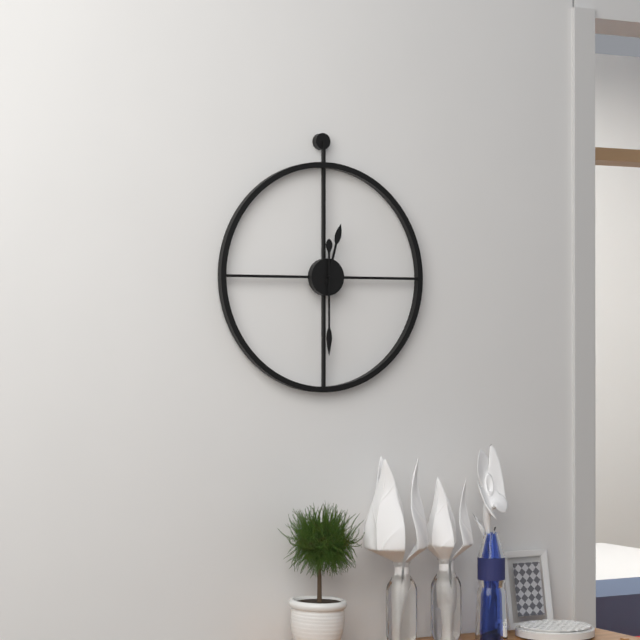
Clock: 12,30
